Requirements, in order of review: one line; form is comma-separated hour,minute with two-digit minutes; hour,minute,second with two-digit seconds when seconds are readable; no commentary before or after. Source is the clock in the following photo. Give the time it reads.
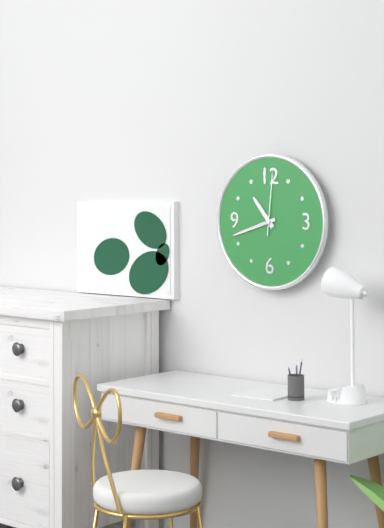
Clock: 10,42,01
